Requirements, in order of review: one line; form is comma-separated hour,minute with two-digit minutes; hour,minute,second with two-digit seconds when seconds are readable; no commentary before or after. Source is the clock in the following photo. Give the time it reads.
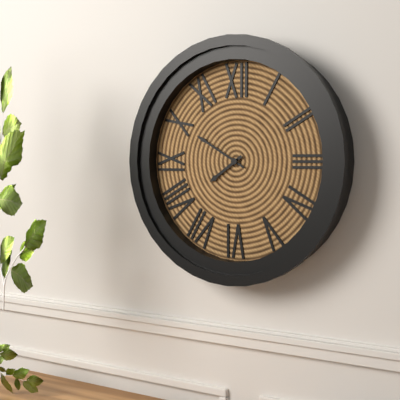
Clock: 7,50
